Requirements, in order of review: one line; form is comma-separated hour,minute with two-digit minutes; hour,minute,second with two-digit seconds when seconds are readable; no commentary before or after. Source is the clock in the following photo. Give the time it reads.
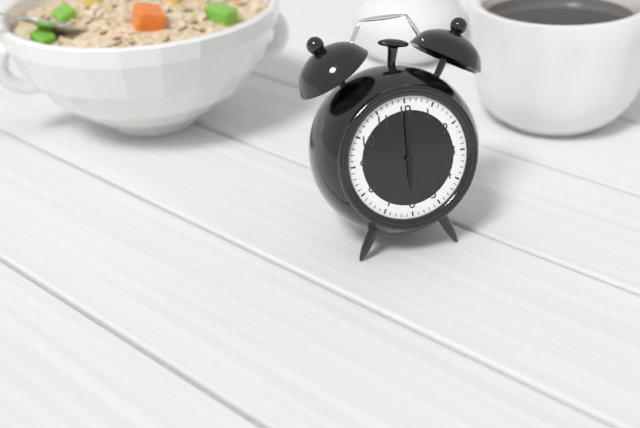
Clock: 6,00
